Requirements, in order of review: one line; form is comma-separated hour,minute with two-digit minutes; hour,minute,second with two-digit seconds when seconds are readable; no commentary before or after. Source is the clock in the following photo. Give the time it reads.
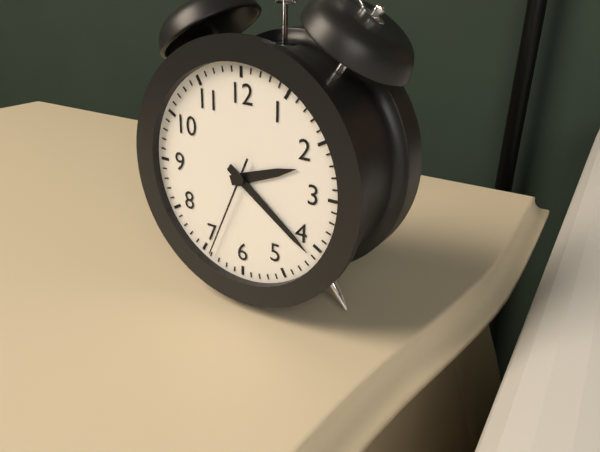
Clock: 2,21,34
